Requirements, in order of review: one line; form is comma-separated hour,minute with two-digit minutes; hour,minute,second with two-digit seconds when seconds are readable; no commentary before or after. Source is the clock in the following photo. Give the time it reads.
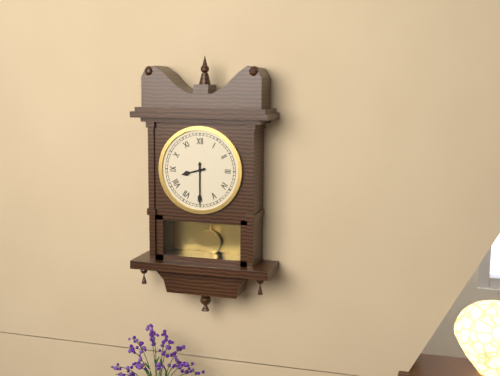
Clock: 8,30
